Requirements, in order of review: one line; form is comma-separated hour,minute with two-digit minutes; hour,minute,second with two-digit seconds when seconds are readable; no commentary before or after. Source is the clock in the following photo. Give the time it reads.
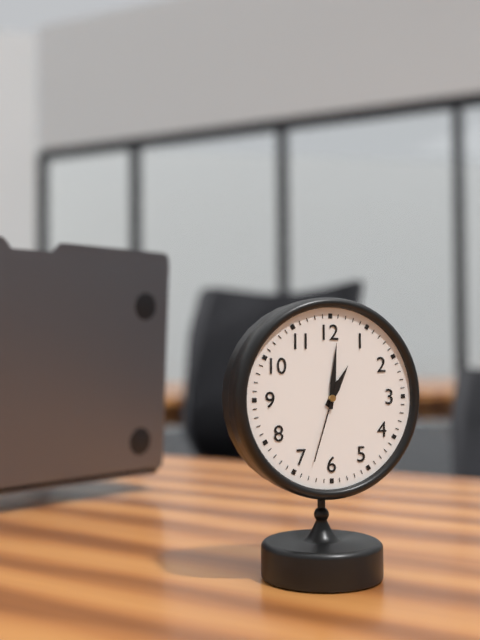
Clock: 1,01,33
